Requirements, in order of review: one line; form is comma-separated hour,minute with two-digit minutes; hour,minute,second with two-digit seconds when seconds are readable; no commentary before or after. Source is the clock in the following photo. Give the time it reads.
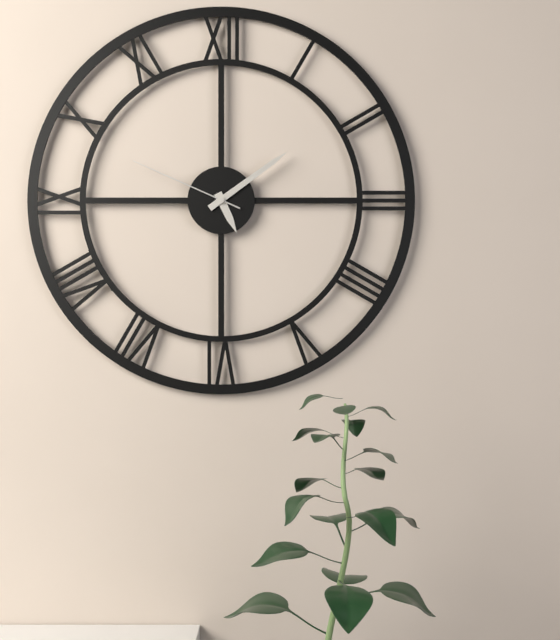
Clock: 5,09,49
